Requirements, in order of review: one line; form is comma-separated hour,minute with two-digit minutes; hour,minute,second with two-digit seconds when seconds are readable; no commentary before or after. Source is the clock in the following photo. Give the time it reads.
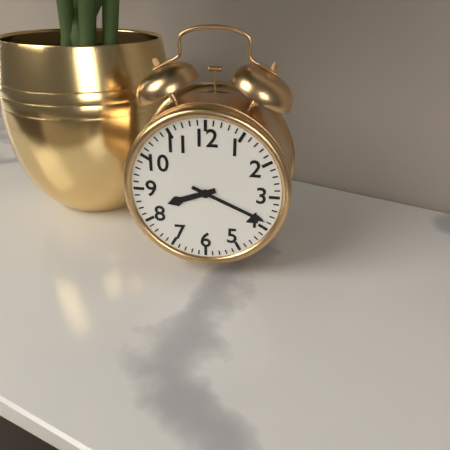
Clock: 8,19
